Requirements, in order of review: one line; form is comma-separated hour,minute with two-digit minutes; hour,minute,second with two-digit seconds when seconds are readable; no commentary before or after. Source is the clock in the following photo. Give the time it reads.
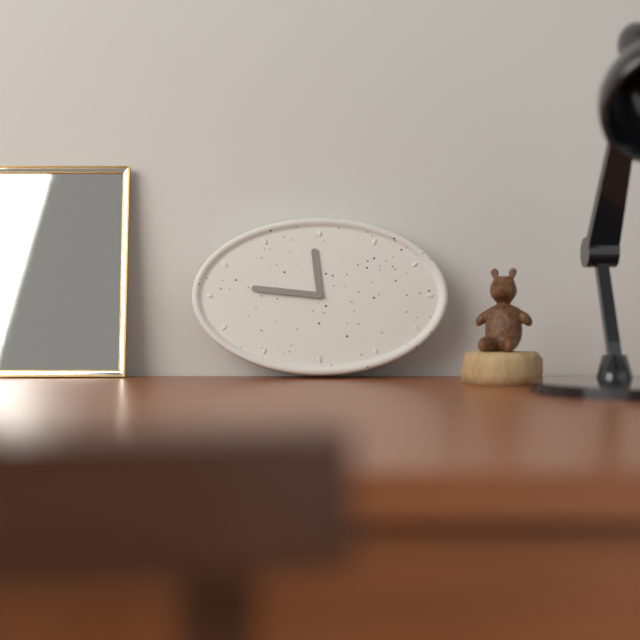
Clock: 11,46
